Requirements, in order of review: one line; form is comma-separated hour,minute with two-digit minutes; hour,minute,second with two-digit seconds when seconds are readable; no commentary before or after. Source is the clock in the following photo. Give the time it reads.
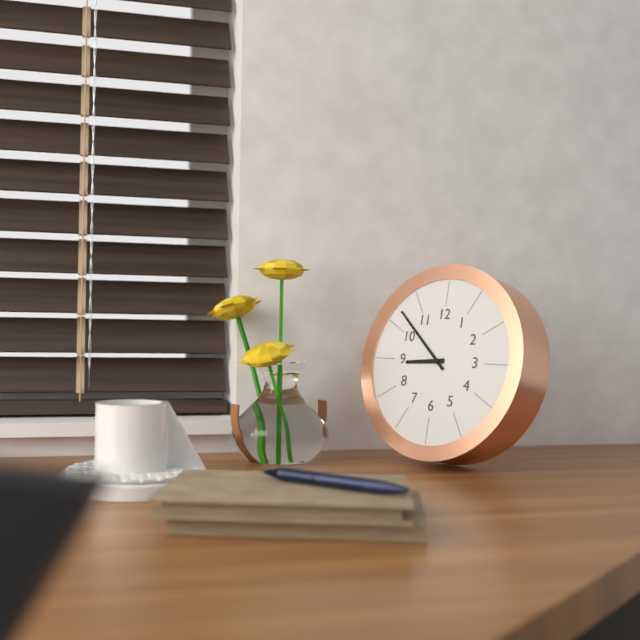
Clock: 8,52
